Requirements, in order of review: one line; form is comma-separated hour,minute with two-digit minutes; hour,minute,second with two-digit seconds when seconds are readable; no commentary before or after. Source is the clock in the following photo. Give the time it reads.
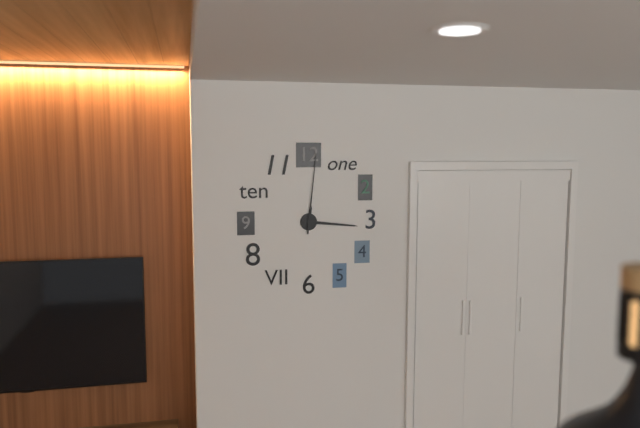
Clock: 12,16,01
